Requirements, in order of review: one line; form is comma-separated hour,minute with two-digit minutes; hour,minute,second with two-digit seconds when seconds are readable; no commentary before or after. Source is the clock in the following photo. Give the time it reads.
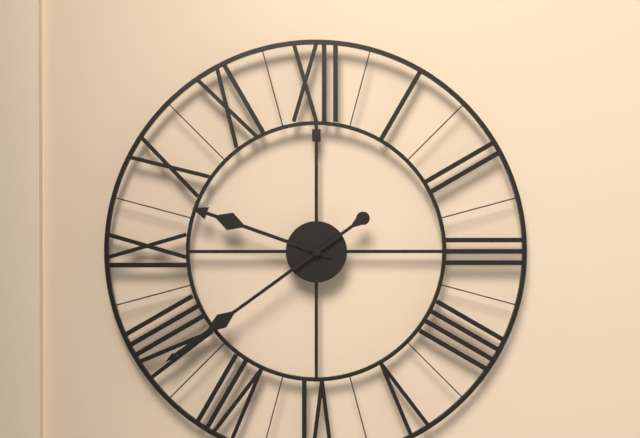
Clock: 9,39
